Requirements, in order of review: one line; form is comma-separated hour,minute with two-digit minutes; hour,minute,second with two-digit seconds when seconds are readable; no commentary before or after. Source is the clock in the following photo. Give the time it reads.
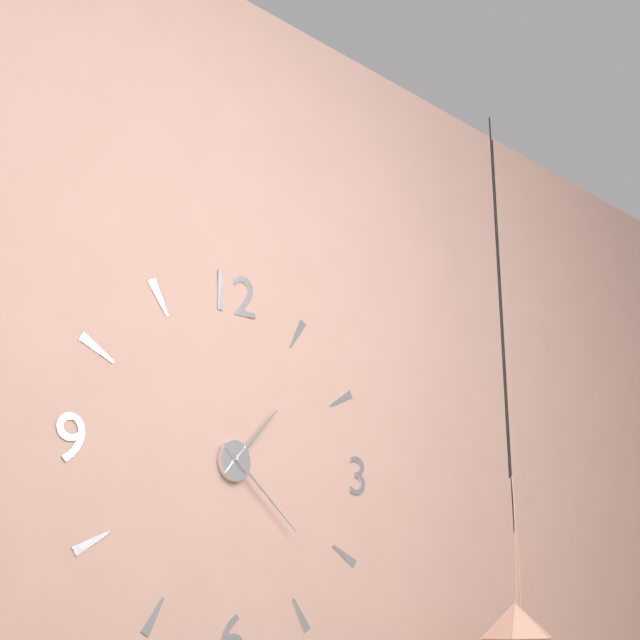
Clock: 1,22
